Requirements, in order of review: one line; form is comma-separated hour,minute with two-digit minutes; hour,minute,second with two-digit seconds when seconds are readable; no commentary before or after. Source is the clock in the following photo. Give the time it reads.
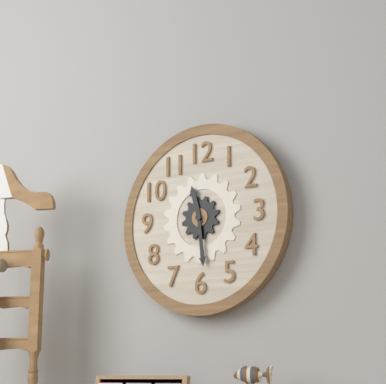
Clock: 11,29
